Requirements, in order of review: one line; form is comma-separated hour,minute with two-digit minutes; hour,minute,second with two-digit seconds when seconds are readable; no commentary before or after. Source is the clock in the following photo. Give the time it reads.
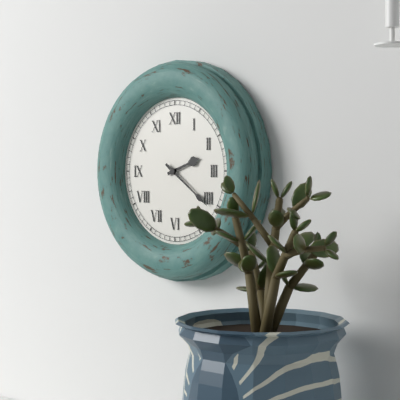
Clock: 2,21
